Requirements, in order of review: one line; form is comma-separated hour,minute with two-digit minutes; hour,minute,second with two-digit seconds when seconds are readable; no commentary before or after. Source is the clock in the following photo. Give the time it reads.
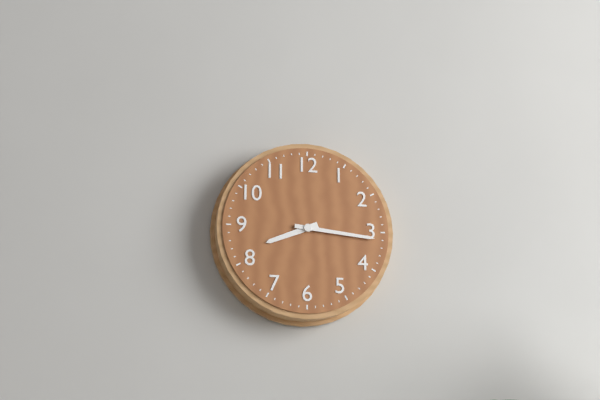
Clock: 8,16
